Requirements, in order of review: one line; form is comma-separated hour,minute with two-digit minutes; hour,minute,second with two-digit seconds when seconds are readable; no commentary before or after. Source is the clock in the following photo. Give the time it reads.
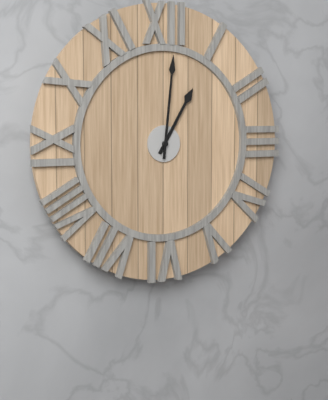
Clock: 1,01
